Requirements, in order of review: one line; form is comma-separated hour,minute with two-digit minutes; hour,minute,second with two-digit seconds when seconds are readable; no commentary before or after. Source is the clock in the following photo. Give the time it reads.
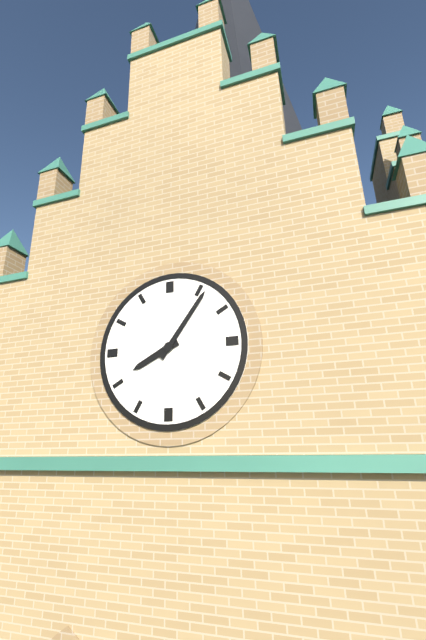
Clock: 8,06
